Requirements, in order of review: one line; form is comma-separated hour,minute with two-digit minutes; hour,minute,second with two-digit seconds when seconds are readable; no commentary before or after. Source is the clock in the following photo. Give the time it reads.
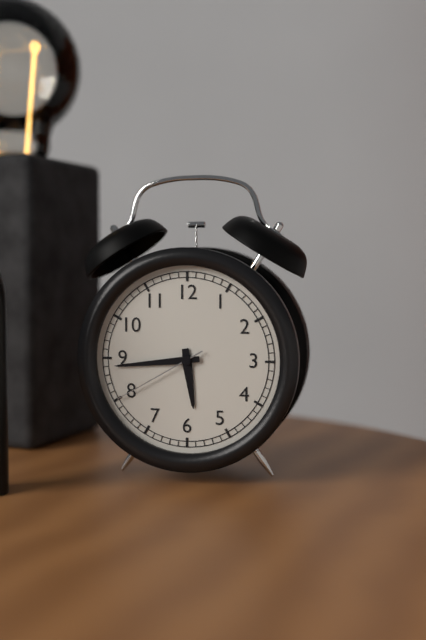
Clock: 5,44,40
